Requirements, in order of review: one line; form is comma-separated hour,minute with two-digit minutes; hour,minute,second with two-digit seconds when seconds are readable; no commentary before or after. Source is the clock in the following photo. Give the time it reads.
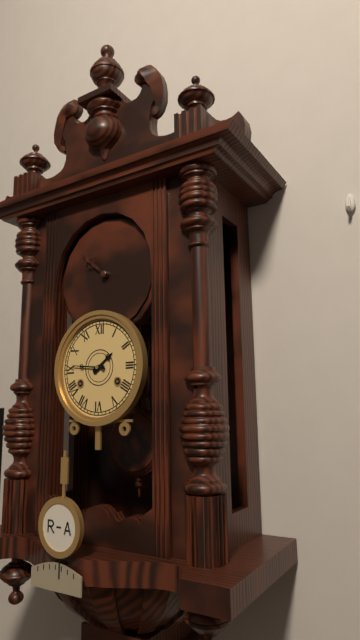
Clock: 1,46
